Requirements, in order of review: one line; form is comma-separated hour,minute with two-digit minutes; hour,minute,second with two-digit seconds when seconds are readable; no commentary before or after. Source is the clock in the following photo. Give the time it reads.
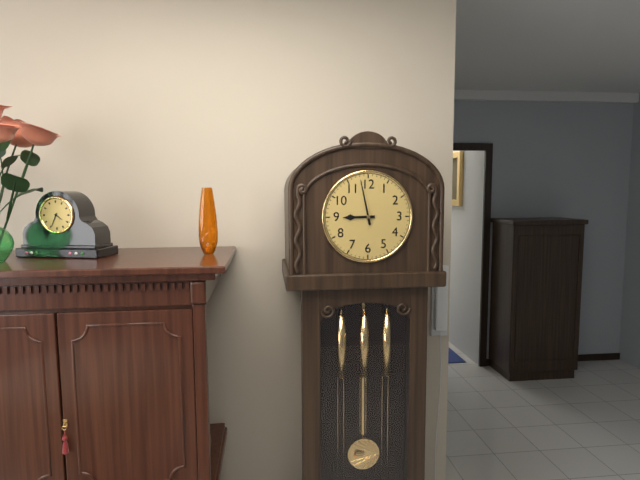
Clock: 8,58
